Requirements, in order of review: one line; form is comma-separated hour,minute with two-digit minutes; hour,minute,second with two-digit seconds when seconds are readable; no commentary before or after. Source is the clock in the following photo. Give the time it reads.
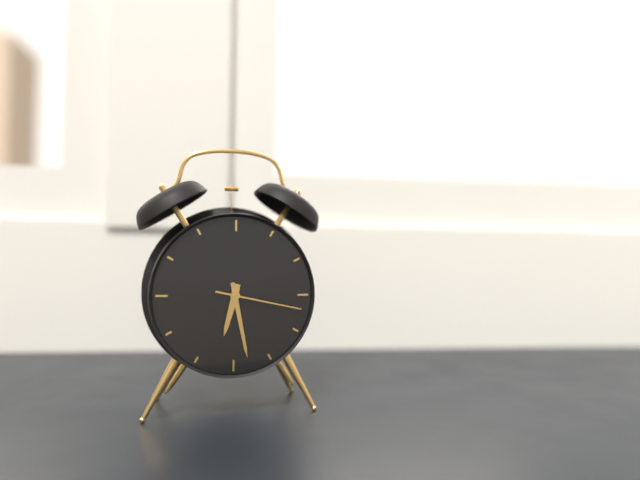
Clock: 6,28,17
